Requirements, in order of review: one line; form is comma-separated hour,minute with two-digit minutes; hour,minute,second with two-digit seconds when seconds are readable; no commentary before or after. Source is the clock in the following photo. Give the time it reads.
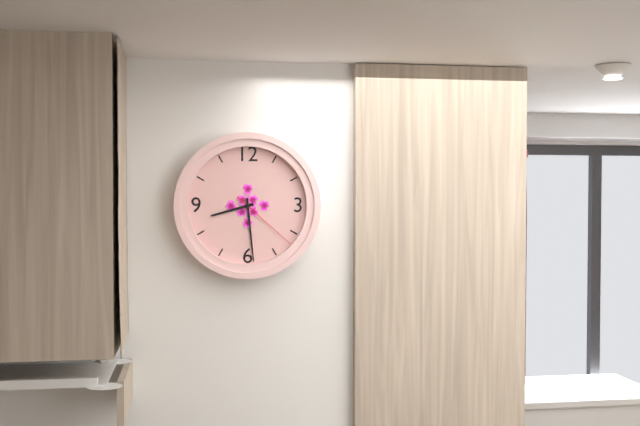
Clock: 8,29,22
